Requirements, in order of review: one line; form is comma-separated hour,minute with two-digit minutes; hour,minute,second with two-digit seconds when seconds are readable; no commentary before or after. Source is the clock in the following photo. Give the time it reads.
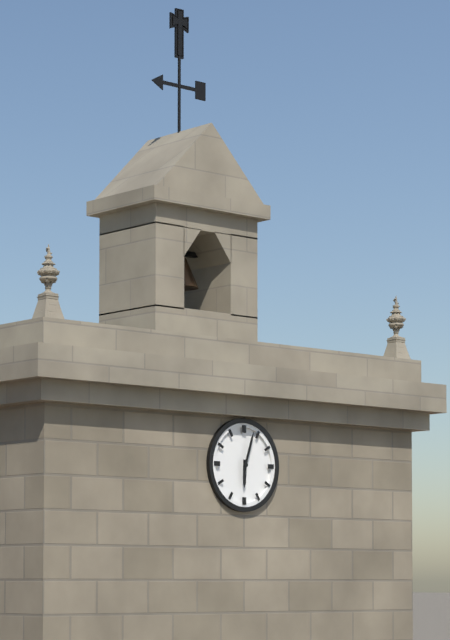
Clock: 6,03
